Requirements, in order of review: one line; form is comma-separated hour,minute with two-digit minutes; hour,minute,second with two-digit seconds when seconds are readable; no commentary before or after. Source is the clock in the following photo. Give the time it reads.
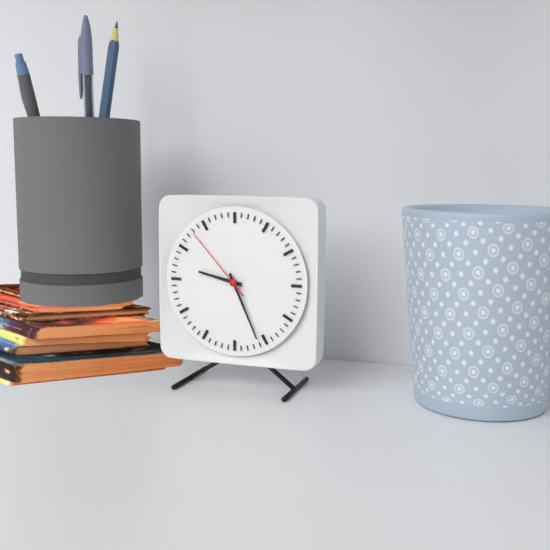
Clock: 9,26,53
